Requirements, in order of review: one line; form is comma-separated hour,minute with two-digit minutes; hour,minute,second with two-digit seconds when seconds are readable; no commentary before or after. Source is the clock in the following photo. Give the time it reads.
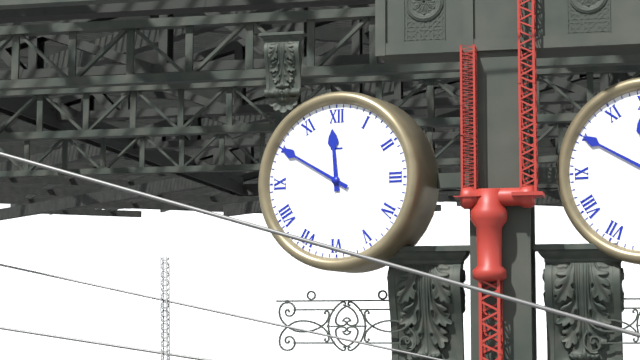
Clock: 11,50
